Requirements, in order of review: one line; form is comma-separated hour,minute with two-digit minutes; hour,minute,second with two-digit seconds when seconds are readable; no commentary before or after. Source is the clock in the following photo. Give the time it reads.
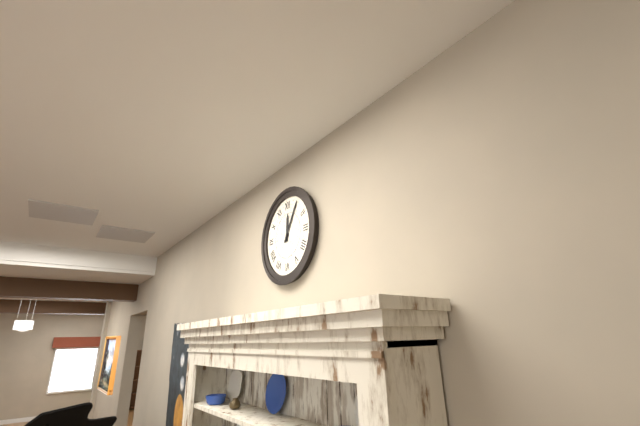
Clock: 12,05
